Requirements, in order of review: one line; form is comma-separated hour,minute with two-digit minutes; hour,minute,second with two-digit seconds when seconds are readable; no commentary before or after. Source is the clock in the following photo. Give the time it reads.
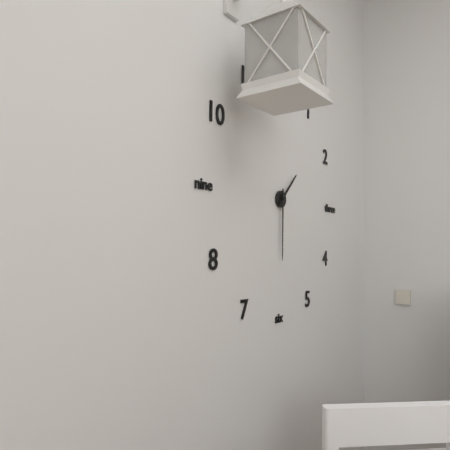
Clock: 1,30
